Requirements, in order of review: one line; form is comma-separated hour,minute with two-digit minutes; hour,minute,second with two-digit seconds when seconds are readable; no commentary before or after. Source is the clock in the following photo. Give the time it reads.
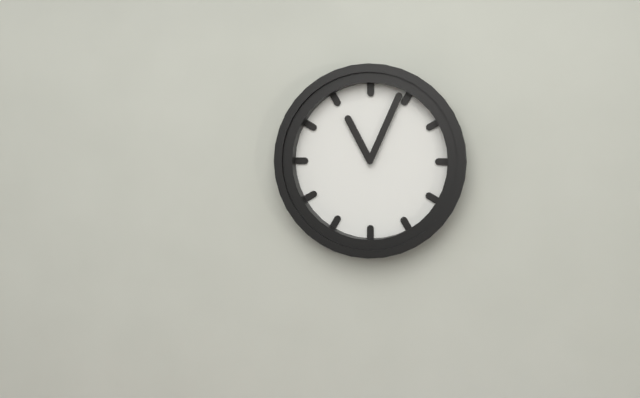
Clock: 11,04
